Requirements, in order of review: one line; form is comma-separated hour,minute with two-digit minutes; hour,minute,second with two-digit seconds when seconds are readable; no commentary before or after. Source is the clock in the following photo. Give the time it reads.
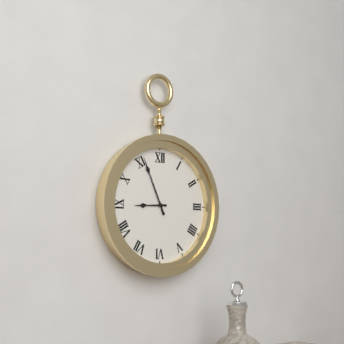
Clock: 8,56
